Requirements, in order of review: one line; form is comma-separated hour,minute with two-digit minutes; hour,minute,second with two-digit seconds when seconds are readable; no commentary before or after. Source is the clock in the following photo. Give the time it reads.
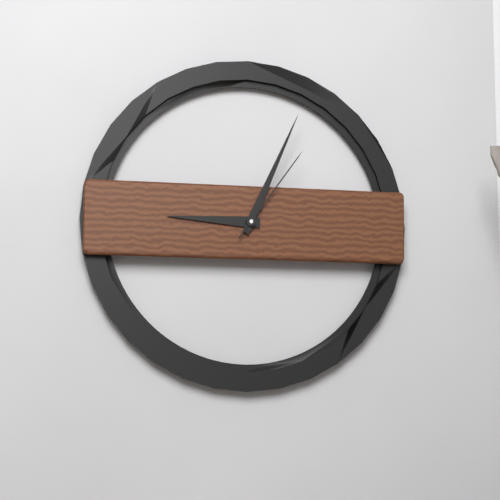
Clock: 9,04,06
